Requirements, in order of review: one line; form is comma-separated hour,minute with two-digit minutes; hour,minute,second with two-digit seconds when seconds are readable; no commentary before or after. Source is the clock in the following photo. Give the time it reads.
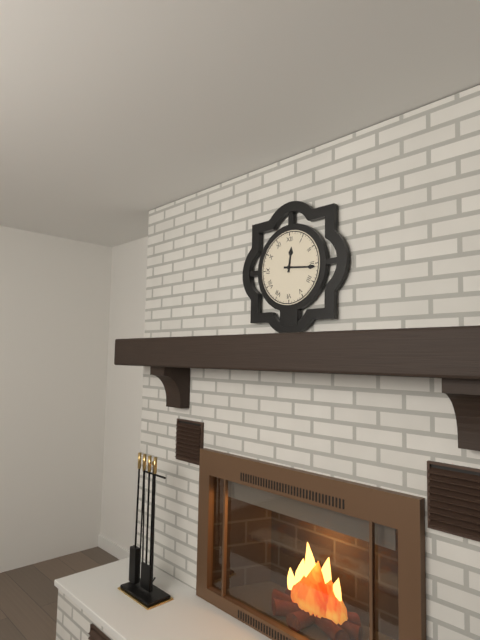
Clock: 12,16
